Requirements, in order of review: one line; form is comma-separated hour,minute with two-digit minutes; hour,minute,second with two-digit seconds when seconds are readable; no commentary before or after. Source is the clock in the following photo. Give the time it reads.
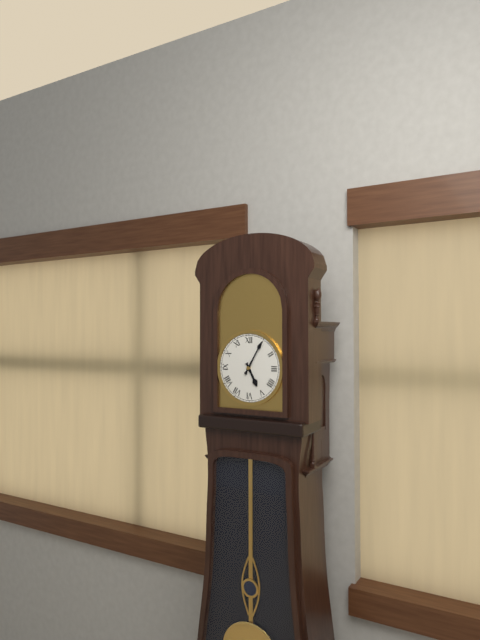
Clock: 5,05
